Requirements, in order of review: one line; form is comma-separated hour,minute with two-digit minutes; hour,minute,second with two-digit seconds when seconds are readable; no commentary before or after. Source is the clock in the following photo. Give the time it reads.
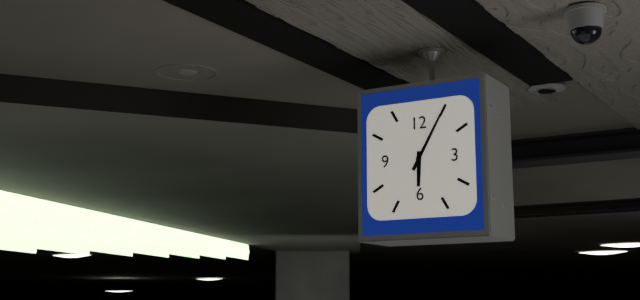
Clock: 6,05
